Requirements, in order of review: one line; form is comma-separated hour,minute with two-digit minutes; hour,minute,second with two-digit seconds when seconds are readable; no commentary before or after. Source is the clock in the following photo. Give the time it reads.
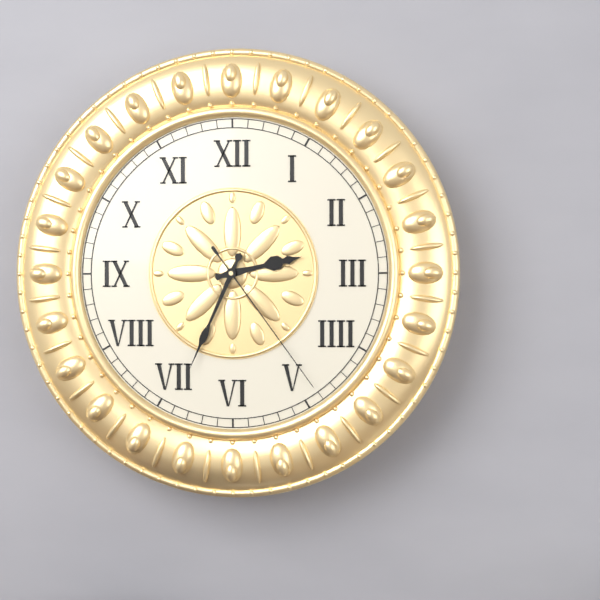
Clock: 2,34,24
